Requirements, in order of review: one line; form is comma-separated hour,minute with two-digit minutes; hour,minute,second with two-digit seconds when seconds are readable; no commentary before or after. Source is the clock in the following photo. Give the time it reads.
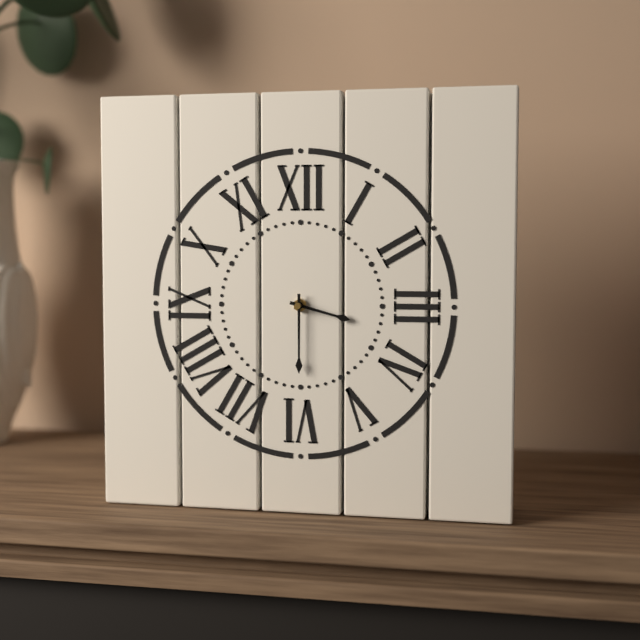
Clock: 3,30
